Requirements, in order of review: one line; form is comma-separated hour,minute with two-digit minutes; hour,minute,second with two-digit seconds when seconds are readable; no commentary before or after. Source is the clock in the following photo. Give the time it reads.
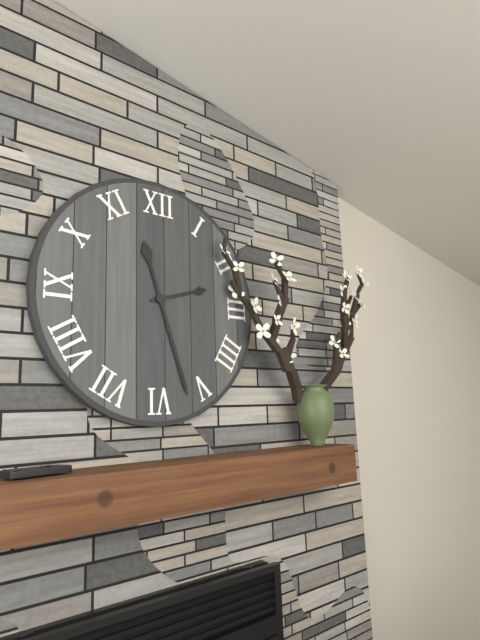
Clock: 2,27
